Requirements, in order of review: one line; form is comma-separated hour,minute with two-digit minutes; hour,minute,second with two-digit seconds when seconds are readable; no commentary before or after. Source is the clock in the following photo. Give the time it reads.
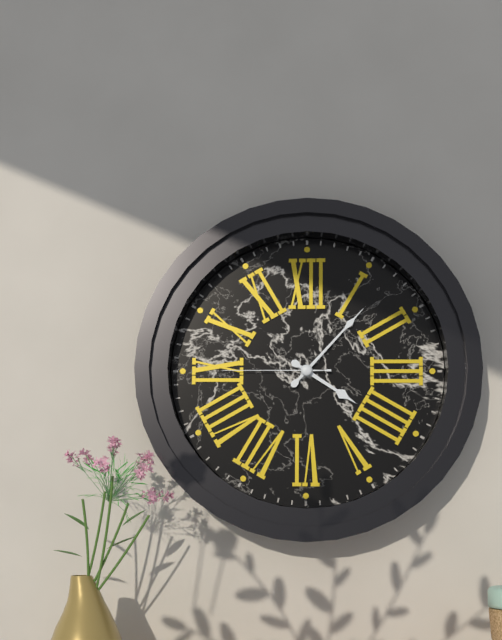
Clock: 4,07,45
